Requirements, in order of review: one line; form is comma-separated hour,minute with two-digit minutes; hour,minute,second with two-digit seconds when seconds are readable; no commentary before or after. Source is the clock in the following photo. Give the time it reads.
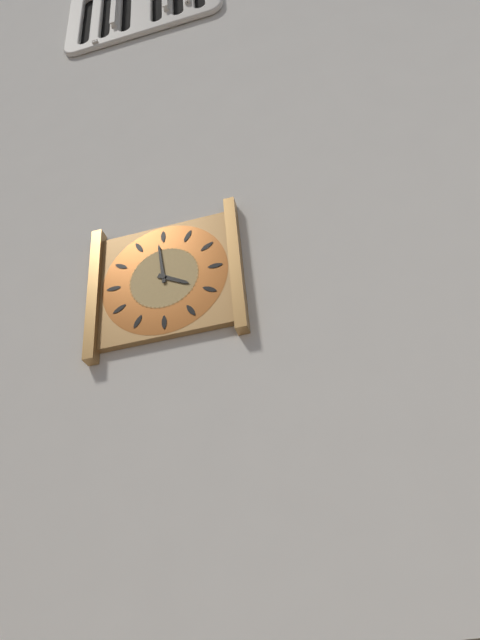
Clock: 3,59
